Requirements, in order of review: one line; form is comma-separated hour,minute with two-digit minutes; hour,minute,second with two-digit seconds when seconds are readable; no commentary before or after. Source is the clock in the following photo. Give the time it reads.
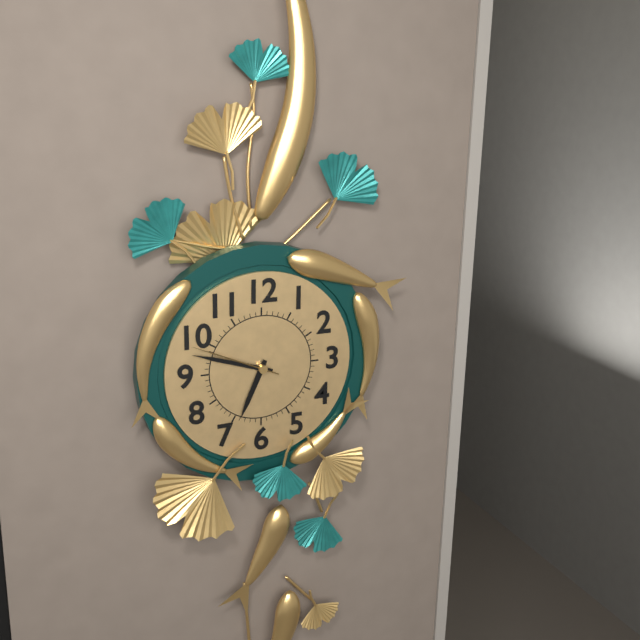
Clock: 6,48,49
